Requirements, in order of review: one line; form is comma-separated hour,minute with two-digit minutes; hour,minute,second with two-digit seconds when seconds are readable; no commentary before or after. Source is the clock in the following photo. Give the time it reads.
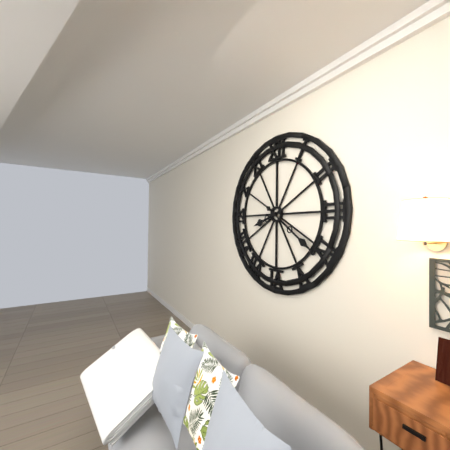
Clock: 8,21
